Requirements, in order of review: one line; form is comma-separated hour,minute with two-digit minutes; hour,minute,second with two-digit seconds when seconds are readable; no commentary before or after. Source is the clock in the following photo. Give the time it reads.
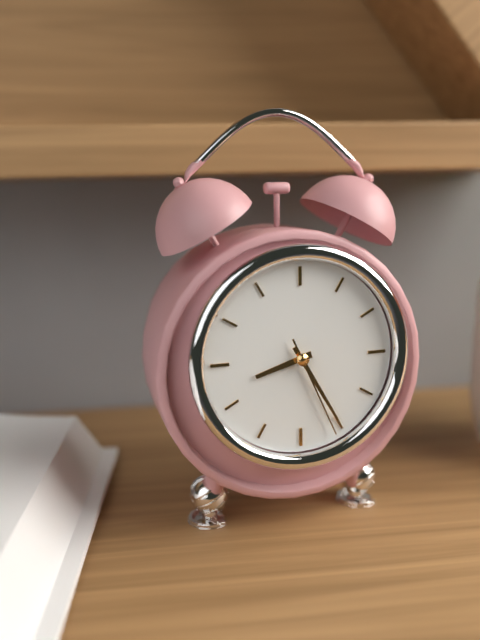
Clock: 8,25,26
